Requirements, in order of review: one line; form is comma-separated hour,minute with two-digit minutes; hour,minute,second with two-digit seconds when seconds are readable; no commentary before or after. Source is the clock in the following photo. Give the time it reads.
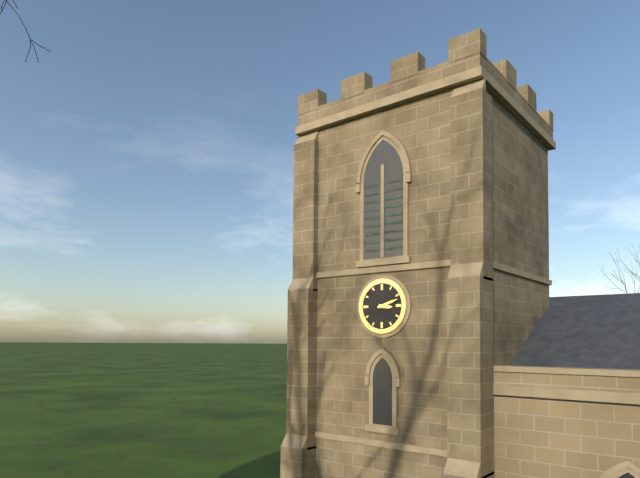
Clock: 3,12
